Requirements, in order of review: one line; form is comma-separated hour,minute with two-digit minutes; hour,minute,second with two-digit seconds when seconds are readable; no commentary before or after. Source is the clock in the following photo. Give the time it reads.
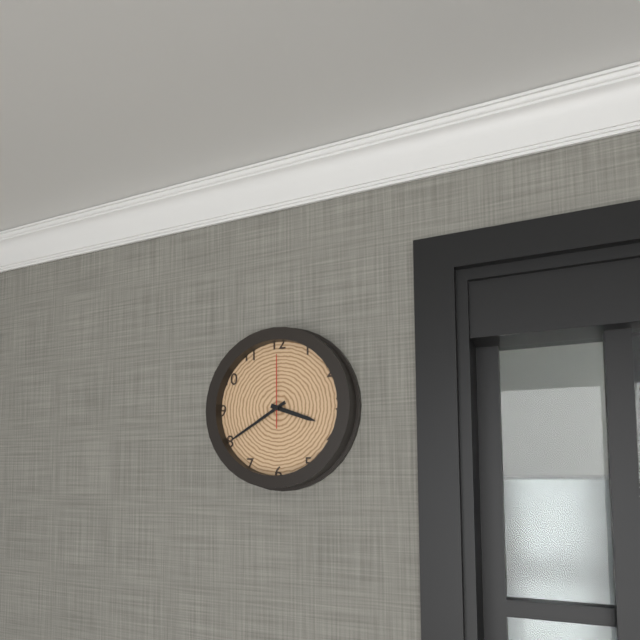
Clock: 3,40,00
